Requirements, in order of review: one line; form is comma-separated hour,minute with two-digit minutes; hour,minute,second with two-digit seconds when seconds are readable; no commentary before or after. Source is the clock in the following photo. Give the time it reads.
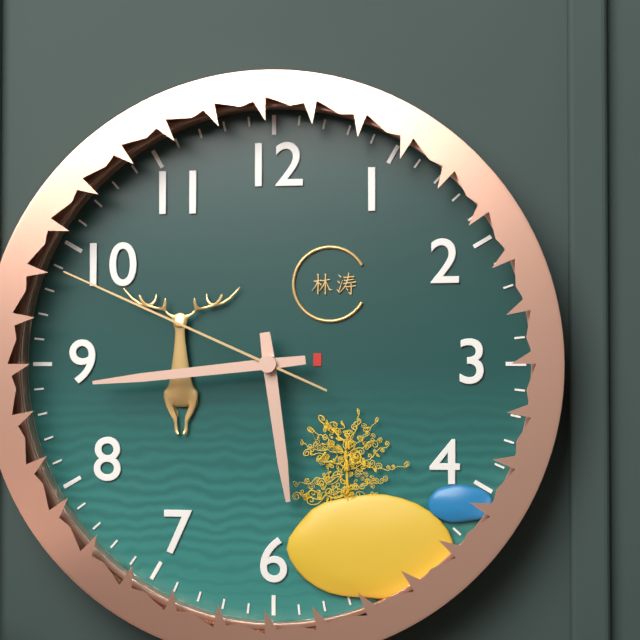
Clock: 5,44,49
